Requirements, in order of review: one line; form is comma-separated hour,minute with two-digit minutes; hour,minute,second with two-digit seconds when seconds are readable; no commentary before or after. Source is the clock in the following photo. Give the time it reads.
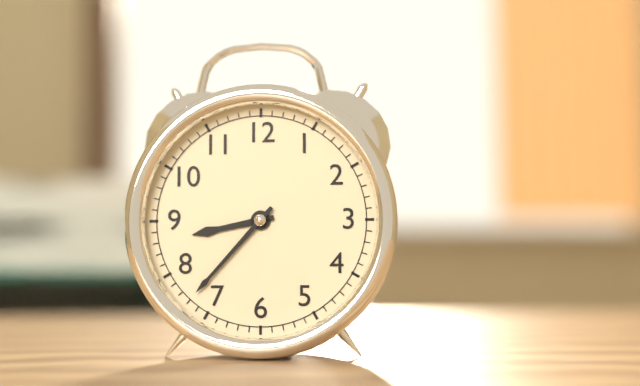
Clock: 8,37
